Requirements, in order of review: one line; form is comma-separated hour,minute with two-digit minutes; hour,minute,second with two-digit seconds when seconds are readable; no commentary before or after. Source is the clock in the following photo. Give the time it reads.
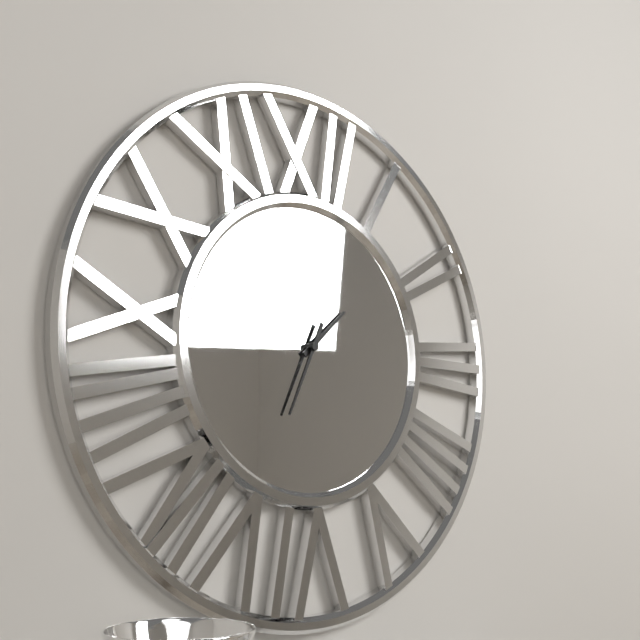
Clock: 1,34
